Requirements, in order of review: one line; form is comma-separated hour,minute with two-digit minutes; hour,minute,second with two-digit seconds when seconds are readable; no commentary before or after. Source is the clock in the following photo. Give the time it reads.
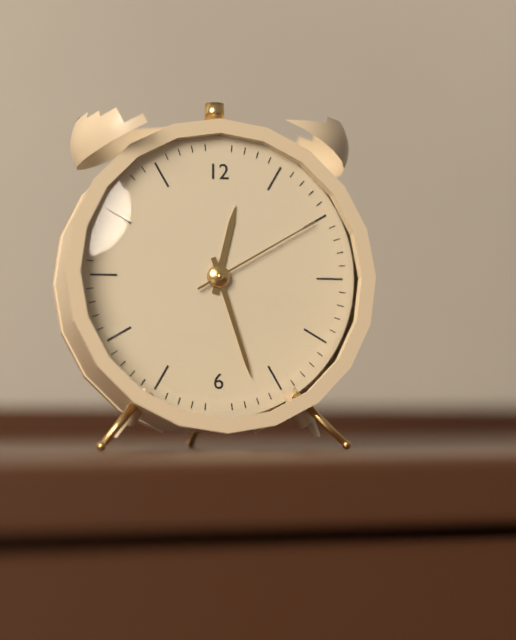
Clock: 12,27,10
